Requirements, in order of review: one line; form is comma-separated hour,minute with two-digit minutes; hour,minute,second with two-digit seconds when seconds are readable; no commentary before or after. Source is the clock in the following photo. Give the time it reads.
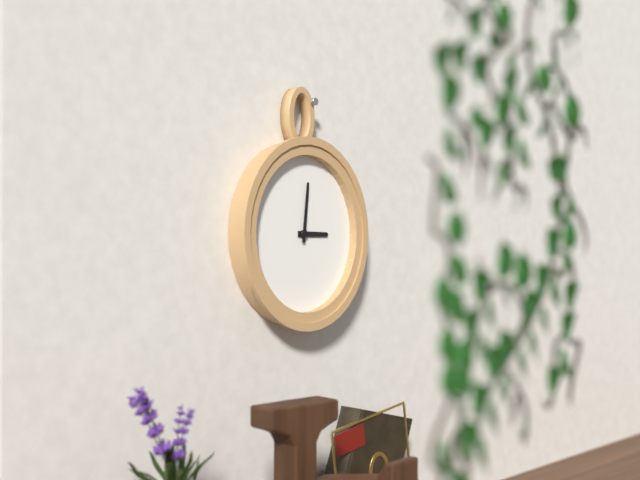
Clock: 3,01
